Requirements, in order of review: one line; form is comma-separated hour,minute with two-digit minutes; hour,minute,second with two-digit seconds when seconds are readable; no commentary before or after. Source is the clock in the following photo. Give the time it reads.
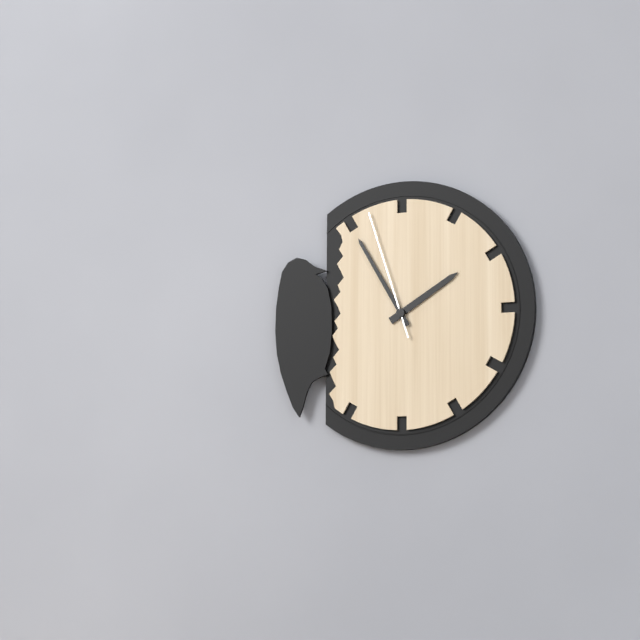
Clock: 1,55,57
